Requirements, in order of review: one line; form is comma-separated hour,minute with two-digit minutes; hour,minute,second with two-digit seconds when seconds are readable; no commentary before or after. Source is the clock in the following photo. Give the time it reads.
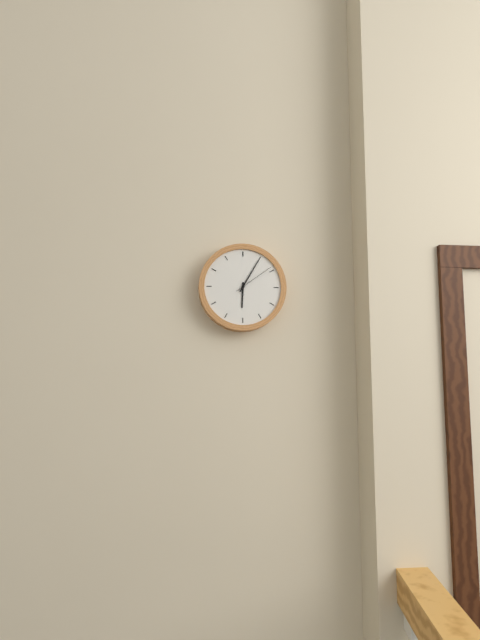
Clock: 6,05
